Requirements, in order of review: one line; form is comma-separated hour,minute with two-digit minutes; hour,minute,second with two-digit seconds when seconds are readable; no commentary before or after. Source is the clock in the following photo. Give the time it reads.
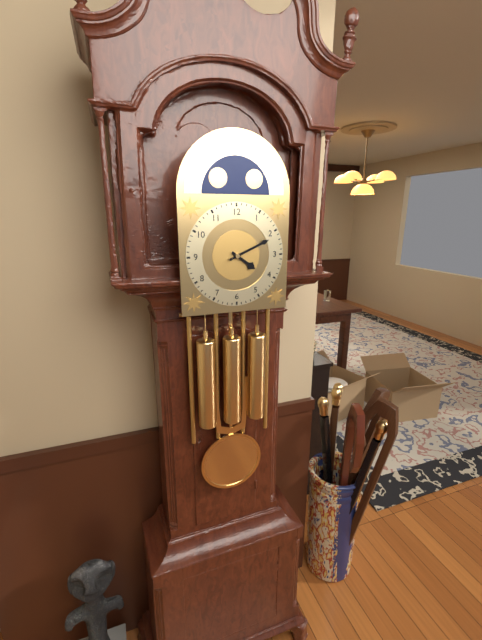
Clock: 4,11
